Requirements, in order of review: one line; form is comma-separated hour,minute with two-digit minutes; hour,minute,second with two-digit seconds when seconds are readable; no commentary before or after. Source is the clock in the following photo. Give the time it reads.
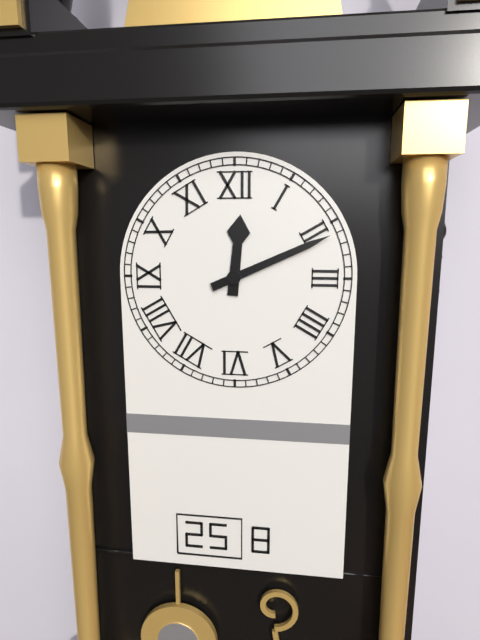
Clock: 12,11
